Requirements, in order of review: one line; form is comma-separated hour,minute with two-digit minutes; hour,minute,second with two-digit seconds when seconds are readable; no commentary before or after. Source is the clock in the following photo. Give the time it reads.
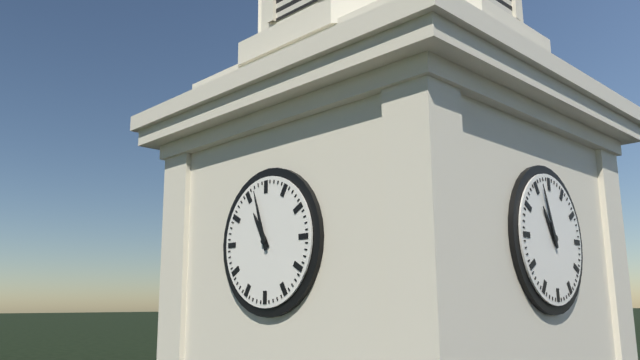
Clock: 10,57
